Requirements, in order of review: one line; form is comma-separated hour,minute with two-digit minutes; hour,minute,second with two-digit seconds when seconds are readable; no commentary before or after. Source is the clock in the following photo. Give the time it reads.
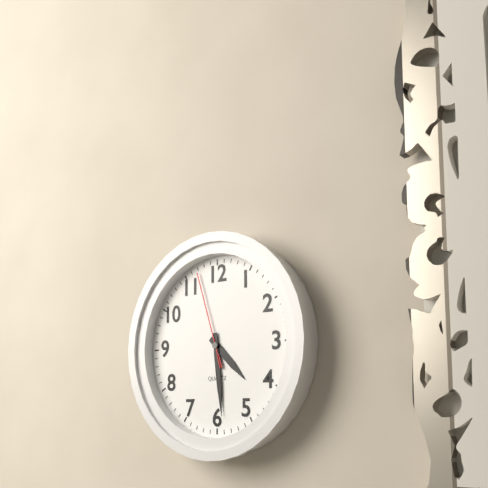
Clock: 4,29,57
